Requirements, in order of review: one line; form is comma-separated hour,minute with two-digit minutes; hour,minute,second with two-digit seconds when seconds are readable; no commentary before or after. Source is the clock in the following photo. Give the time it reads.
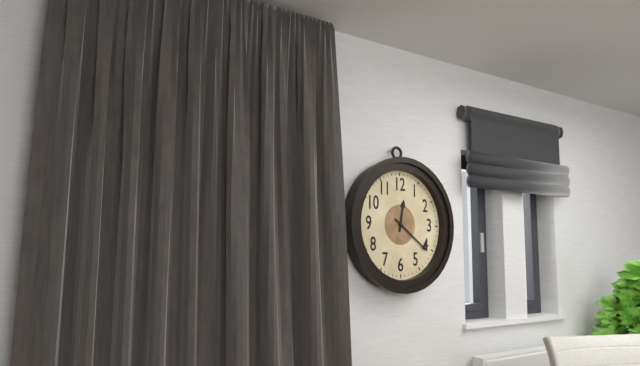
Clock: 12,21
